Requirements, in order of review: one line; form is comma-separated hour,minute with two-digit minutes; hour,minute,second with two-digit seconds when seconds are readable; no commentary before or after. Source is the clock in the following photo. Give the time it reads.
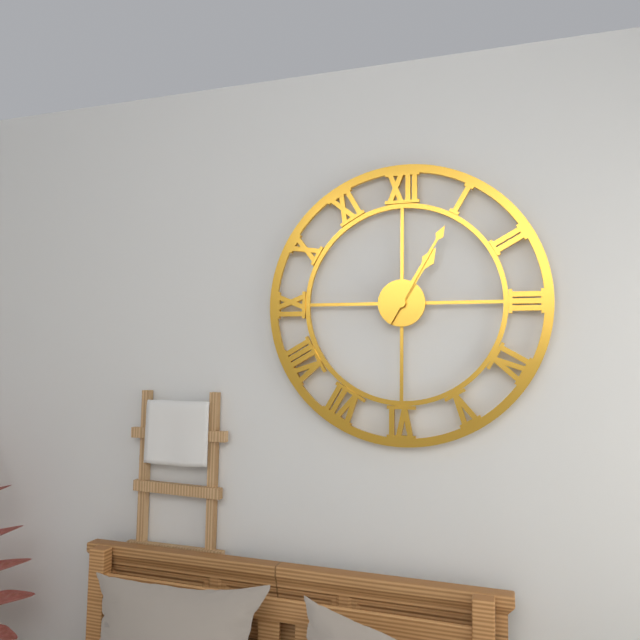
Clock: 1,05
